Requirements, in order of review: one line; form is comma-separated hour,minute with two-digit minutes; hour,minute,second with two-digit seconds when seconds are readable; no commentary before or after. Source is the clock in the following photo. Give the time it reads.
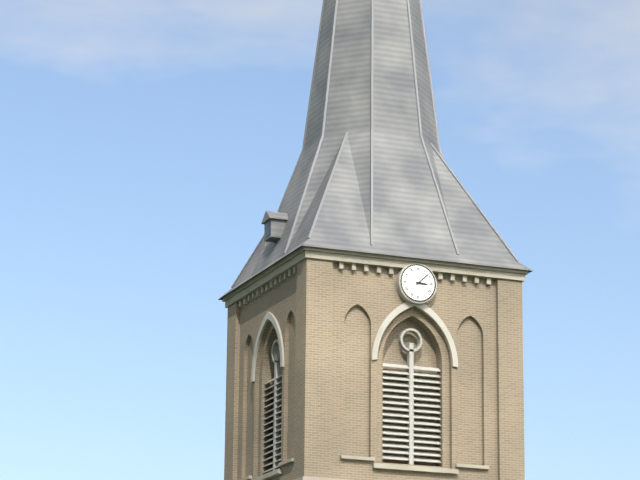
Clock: 3,08
